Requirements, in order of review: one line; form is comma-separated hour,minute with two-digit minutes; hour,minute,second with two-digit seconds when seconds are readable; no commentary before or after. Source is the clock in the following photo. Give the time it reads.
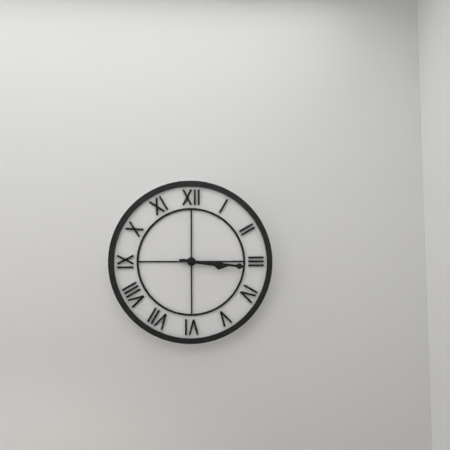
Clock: 3,16
